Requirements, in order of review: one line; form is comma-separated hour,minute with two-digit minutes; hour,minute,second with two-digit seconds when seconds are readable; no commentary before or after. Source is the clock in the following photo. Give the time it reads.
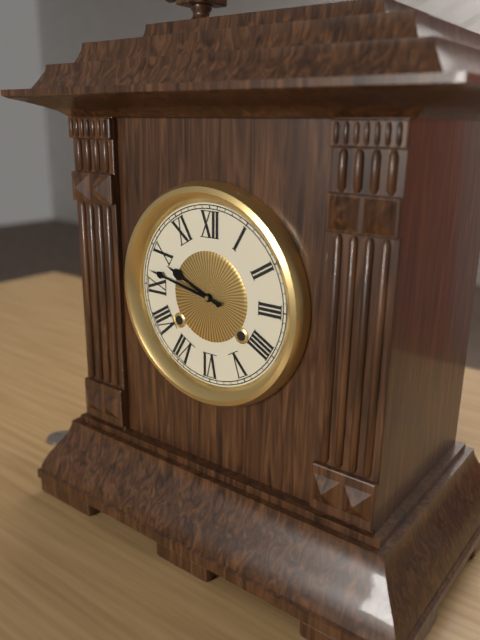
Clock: 9,47
